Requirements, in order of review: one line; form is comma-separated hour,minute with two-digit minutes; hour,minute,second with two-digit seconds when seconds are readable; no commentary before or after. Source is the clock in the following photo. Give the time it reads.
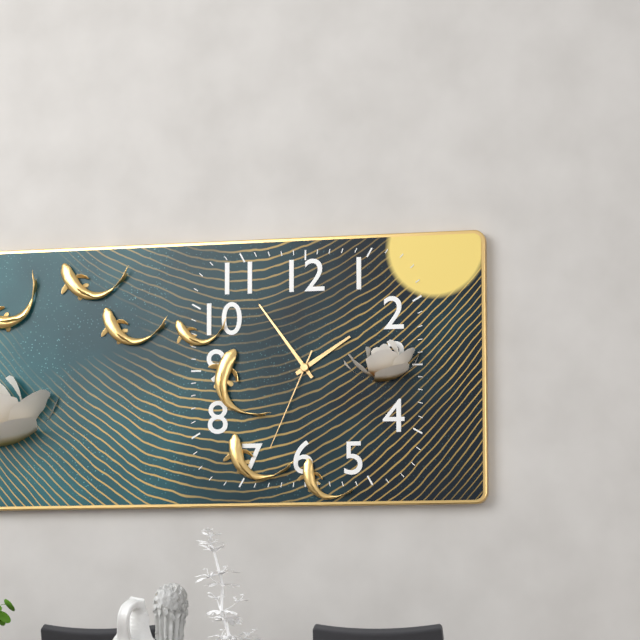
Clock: 1,54,34
